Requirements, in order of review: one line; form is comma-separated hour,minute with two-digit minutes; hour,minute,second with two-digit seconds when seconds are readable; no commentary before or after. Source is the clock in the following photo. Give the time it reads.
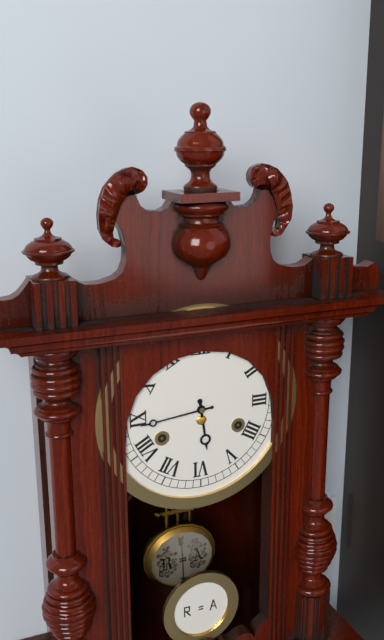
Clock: 5,44
